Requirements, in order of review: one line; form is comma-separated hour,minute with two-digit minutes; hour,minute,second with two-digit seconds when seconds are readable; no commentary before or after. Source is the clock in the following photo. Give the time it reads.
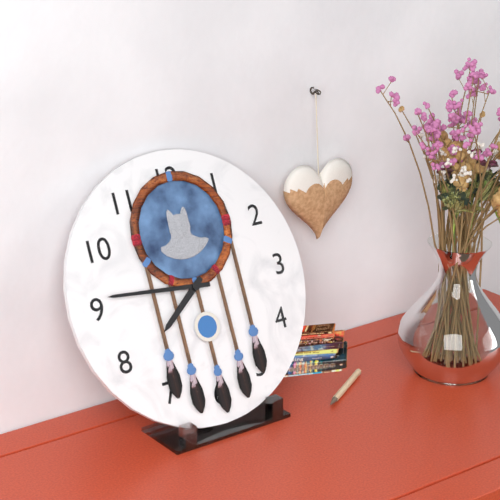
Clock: 7,46
